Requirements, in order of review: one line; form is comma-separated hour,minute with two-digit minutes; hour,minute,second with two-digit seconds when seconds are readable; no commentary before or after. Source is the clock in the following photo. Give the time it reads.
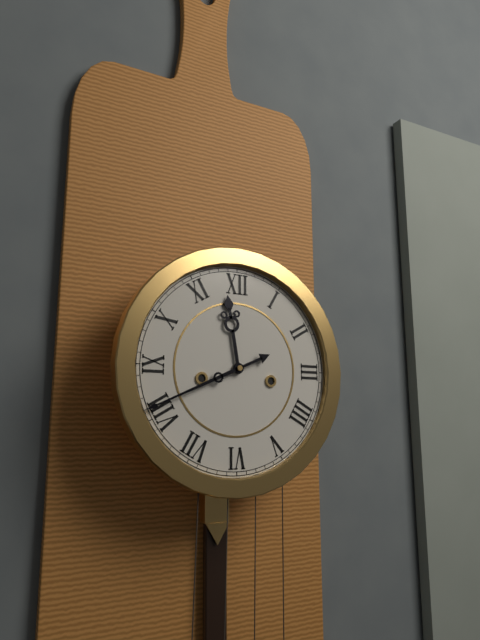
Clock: 11,41
